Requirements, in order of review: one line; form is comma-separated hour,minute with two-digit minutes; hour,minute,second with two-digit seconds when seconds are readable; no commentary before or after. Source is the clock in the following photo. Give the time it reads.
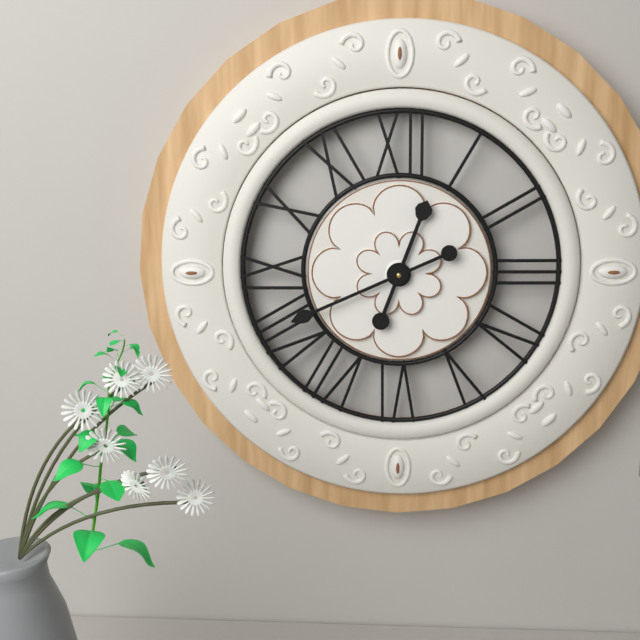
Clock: 12,41
